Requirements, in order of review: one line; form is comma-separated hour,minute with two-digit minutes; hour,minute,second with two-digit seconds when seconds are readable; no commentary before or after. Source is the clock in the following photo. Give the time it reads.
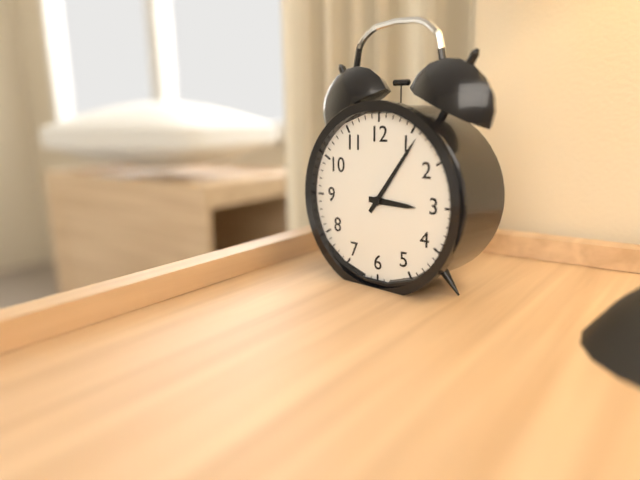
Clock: 3,06
